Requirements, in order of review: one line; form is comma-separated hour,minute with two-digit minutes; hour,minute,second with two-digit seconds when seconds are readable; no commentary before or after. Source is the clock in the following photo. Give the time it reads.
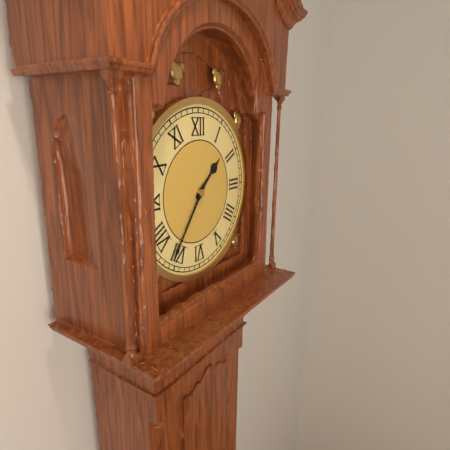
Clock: 1,36
